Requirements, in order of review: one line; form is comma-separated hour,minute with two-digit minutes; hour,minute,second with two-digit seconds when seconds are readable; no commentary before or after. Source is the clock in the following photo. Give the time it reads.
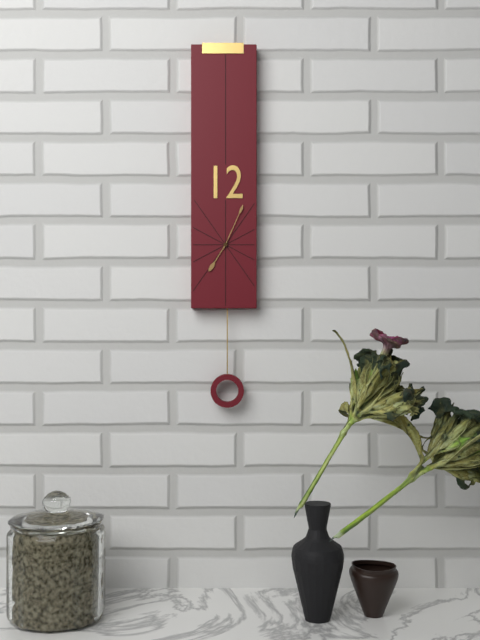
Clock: 7,04
